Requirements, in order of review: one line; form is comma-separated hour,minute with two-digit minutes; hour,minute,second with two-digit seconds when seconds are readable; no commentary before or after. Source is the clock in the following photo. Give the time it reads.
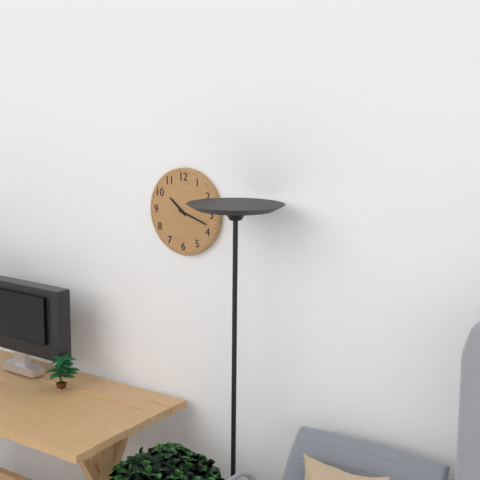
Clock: 10,18
